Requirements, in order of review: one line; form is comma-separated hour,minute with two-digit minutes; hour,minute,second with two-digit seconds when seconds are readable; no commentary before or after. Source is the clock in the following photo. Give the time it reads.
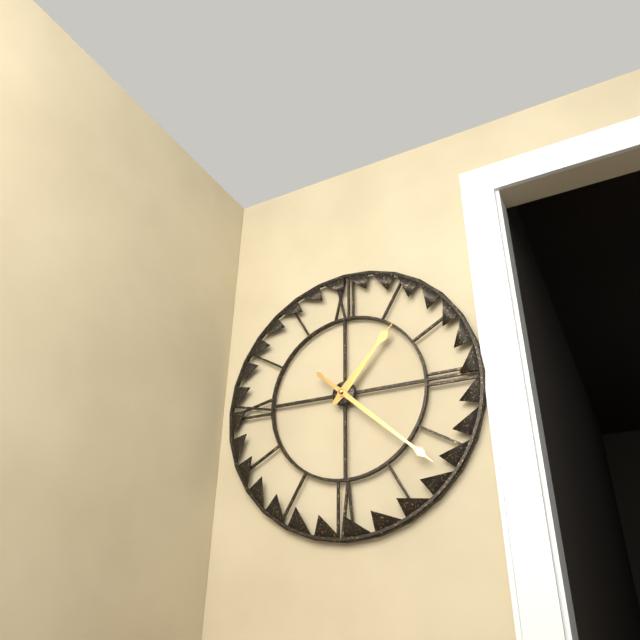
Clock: 1,22
